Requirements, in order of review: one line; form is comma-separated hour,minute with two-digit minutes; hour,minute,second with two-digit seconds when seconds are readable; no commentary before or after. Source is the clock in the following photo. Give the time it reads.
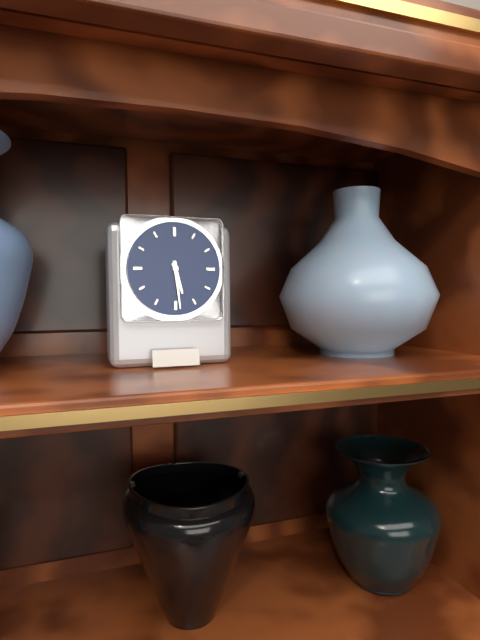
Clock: 5,29
